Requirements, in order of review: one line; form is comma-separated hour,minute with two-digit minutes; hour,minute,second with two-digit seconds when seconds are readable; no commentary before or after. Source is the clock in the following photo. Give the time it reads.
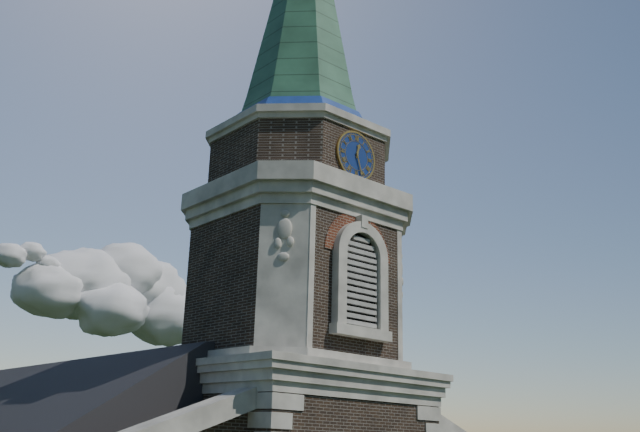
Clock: 12,27
